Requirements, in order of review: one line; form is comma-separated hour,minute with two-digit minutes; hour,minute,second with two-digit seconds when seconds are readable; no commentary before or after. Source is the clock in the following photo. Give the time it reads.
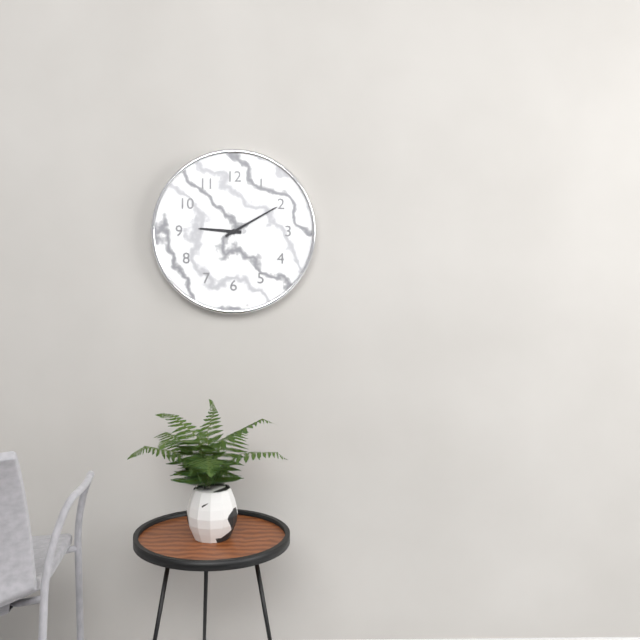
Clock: 9,10
